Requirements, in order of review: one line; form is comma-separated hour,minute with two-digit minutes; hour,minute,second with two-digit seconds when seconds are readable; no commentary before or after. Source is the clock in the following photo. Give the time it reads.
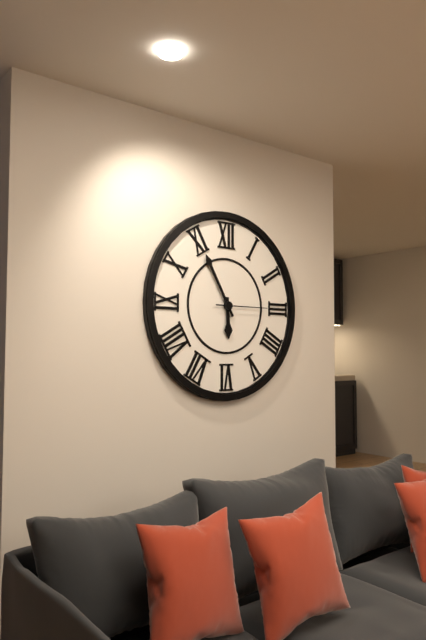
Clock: 5,55
